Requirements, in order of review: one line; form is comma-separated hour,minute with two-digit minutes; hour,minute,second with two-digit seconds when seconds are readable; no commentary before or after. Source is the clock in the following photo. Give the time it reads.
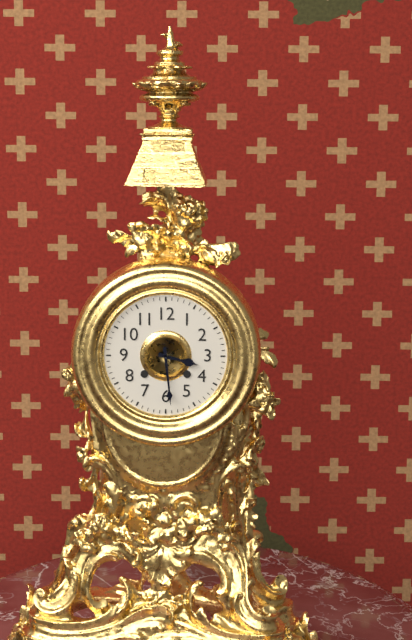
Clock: 3,29
